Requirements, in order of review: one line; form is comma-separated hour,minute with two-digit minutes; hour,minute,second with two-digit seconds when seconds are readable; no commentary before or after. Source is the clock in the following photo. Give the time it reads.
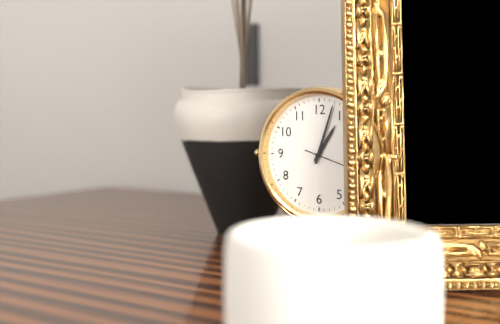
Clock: 1,03
